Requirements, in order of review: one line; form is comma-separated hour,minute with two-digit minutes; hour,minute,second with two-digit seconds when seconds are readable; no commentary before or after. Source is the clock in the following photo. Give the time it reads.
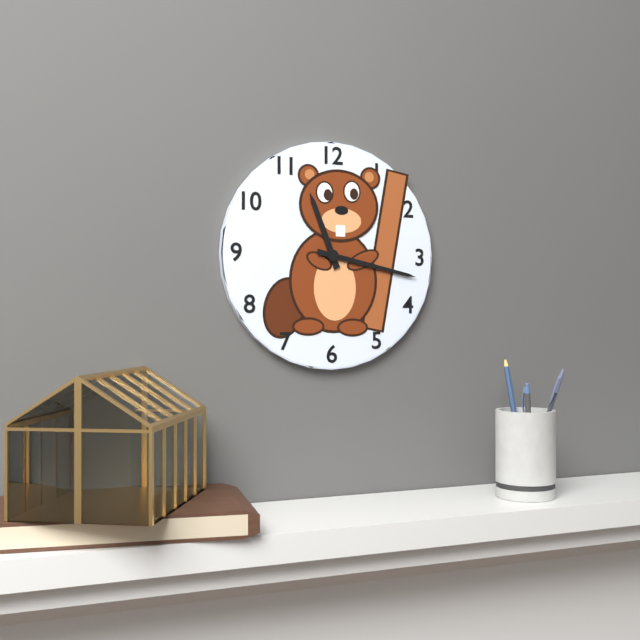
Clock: 11,17
